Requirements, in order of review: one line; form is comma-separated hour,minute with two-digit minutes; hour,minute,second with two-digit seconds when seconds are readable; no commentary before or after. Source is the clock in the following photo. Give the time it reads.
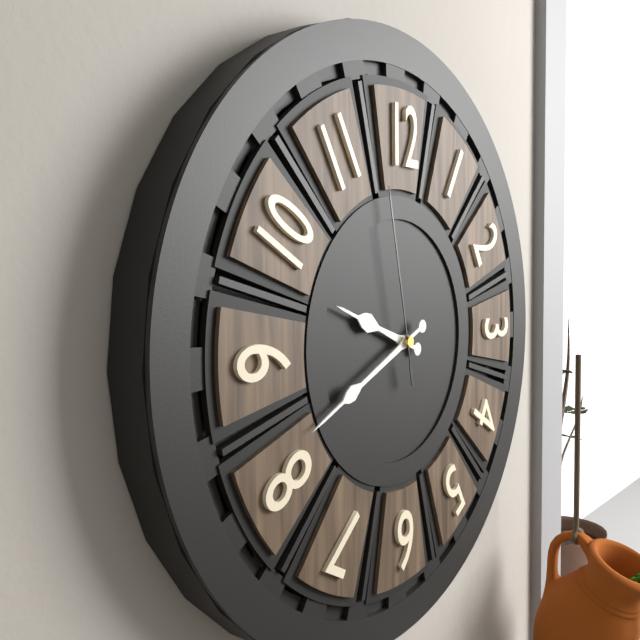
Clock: 9,41,58
